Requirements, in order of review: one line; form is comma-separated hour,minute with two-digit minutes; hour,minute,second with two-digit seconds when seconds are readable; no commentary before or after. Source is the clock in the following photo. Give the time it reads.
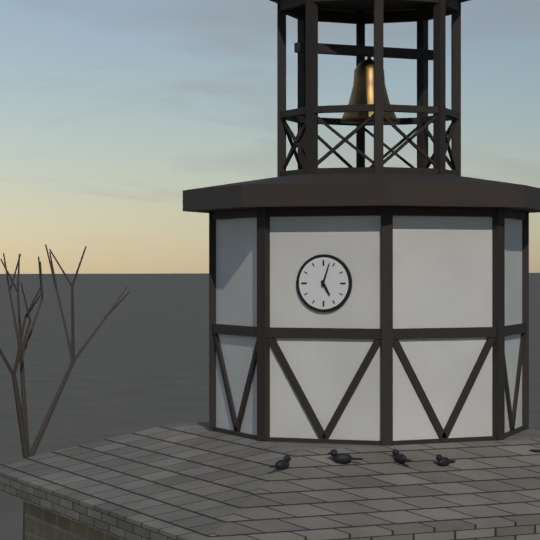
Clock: 5,03
